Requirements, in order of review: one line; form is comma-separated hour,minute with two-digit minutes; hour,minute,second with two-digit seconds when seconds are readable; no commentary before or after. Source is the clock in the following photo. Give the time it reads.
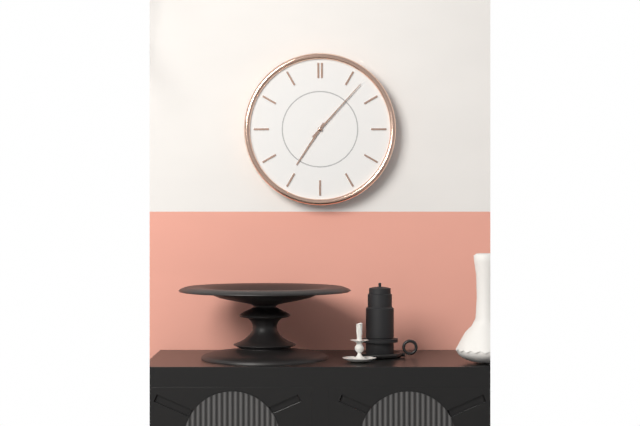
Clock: 7,07
